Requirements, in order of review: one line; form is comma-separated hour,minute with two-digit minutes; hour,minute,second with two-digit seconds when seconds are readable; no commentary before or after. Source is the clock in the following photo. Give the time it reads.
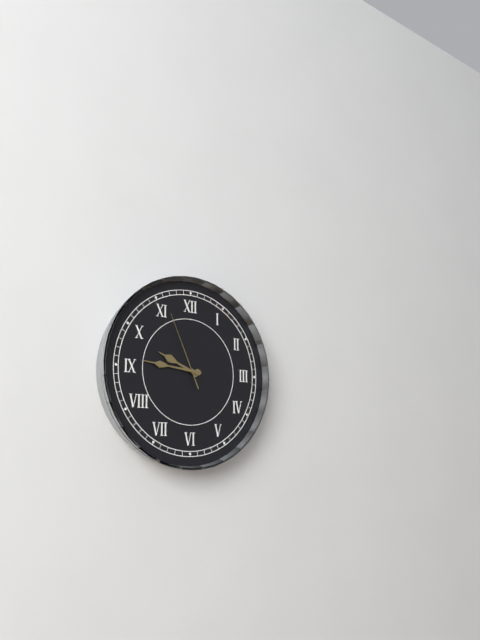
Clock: 9,46,56
